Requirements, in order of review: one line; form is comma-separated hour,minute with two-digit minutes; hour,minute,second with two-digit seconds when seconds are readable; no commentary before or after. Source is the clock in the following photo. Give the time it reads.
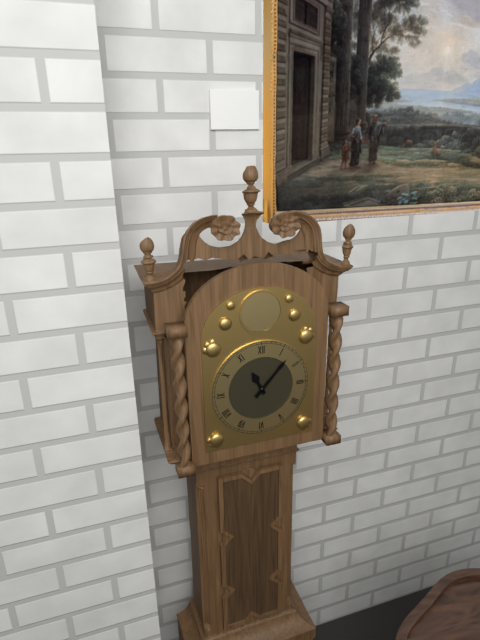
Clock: 11,07
